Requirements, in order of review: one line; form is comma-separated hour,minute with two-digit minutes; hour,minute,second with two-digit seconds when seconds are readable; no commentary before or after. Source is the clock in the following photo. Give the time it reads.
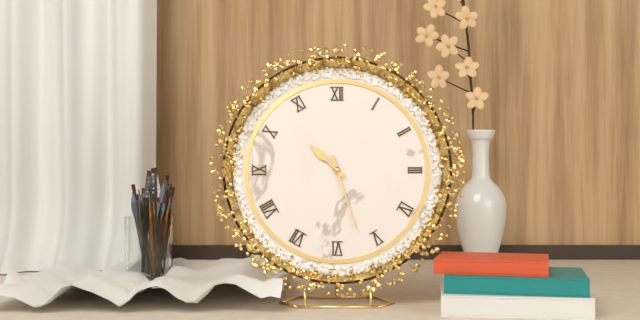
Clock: 10,27
